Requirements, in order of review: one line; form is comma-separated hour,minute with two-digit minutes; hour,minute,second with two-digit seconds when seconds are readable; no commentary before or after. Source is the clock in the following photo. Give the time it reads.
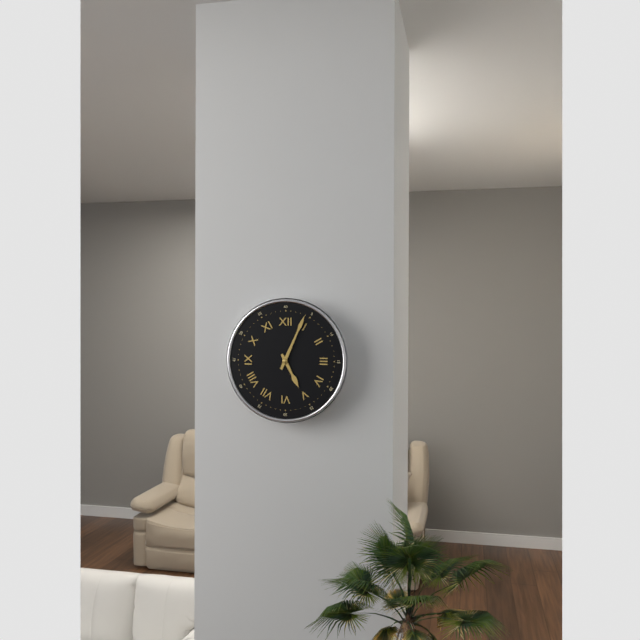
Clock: 5,04
